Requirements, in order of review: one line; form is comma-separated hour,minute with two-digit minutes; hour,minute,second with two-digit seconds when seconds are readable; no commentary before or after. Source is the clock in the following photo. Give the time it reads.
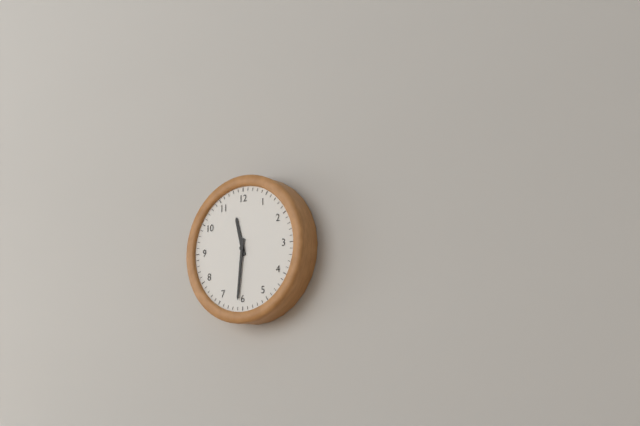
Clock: 11,31
